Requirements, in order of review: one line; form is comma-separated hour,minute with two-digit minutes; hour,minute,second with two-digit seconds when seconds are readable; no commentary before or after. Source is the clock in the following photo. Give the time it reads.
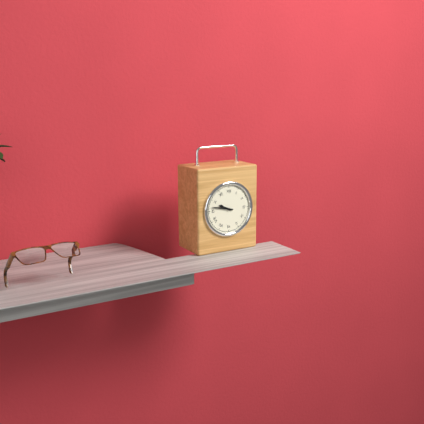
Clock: 9,47
